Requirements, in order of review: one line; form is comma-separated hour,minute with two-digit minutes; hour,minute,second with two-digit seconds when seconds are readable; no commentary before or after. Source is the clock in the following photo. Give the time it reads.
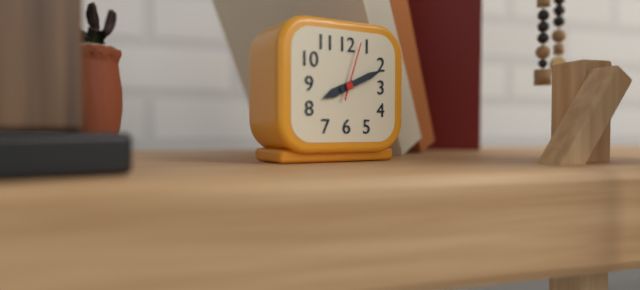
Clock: 8,11,03
